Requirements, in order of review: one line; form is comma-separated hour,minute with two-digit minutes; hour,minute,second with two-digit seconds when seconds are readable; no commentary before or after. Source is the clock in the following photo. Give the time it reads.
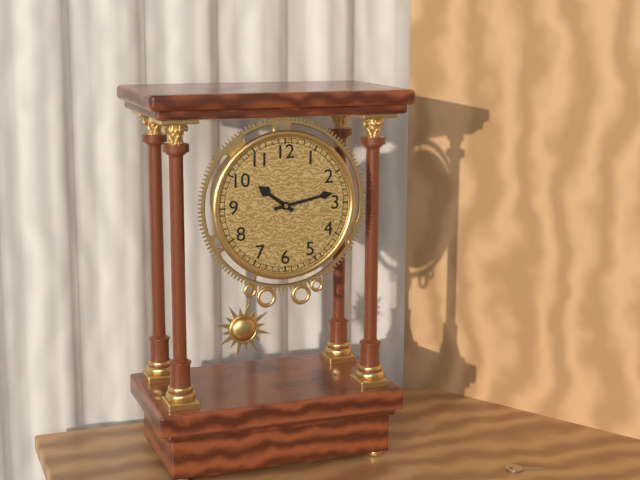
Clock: 10,13
